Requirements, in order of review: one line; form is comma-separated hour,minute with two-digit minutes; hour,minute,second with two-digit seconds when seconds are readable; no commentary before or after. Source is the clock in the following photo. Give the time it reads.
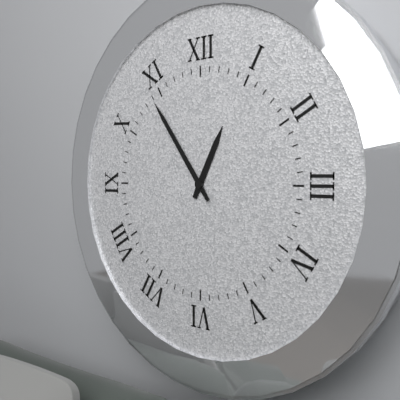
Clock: 12,54
